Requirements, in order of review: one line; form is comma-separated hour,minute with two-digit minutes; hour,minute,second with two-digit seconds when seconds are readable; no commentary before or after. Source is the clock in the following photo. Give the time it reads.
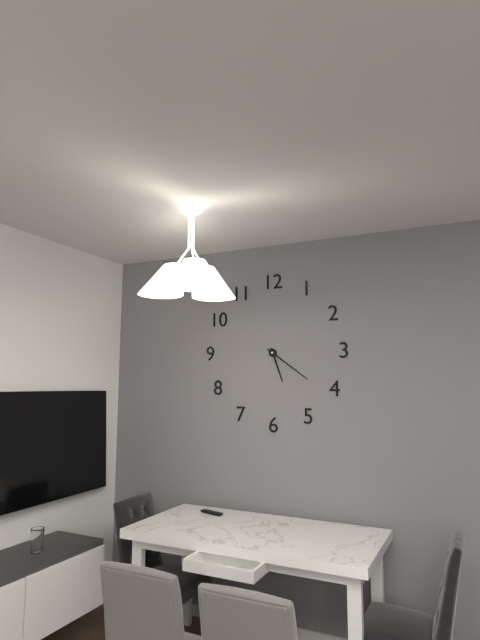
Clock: 5,21
